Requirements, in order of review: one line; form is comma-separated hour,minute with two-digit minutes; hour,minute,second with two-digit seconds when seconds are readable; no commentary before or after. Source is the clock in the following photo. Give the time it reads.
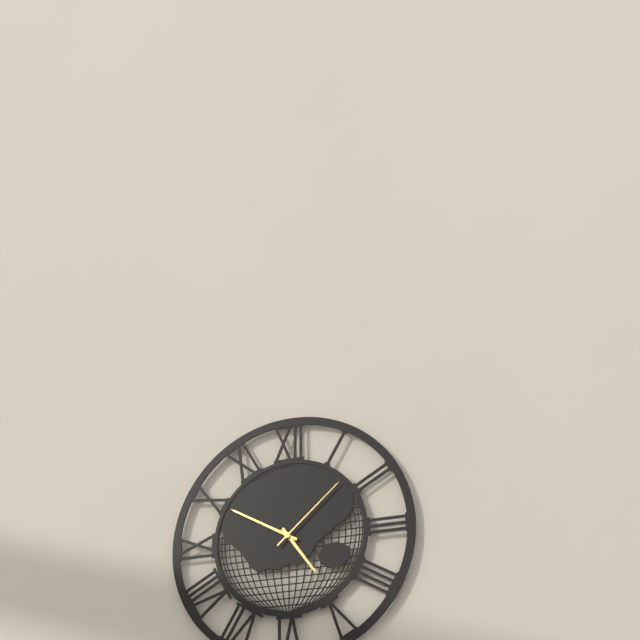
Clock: 4,50,08
